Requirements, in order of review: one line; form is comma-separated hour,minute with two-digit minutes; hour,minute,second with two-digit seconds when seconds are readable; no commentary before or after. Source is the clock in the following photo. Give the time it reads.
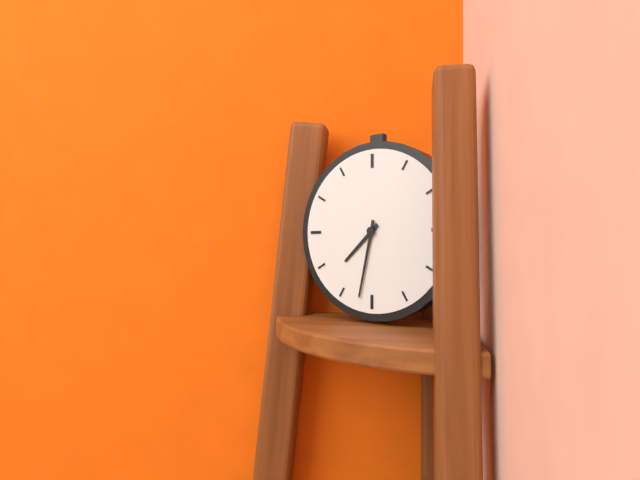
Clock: 7,32
